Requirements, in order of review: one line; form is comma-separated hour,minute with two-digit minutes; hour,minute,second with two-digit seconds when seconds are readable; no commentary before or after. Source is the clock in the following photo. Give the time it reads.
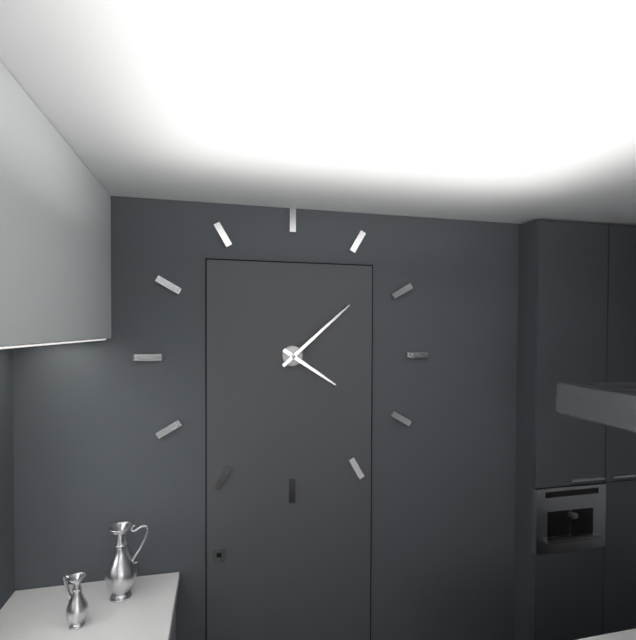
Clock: 4,08
